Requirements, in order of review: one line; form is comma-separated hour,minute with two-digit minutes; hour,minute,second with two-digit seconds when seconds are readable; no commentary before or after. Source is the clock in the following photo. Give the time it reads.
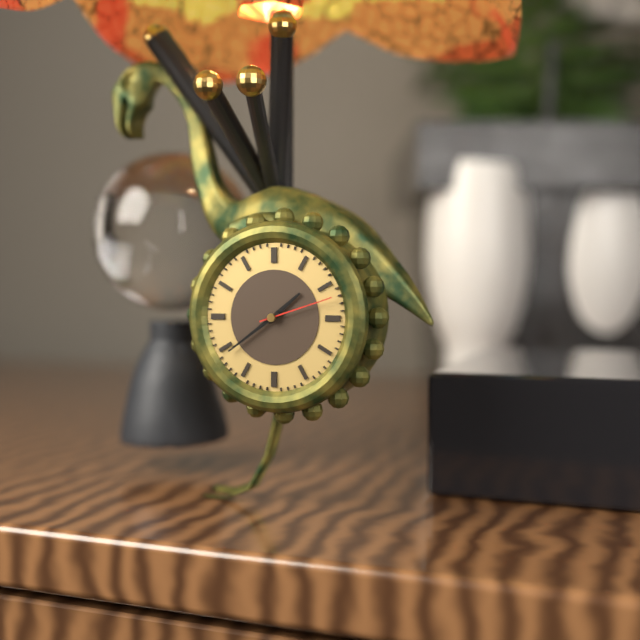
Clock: 1,39,12
